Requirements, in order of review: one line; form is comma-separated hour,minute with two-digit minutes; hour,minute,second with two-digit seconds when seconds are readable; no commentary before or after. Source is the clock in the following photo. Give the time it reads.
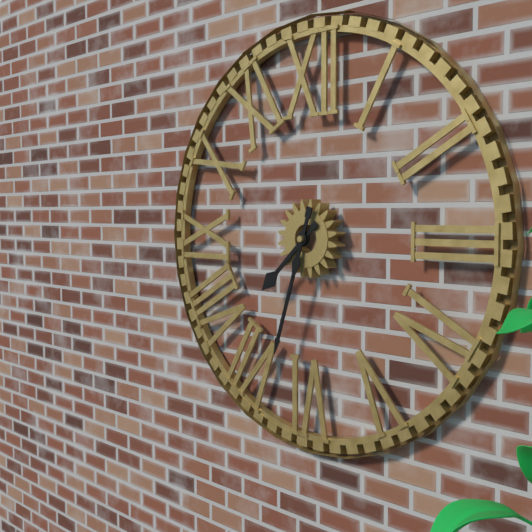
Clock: 7,33
